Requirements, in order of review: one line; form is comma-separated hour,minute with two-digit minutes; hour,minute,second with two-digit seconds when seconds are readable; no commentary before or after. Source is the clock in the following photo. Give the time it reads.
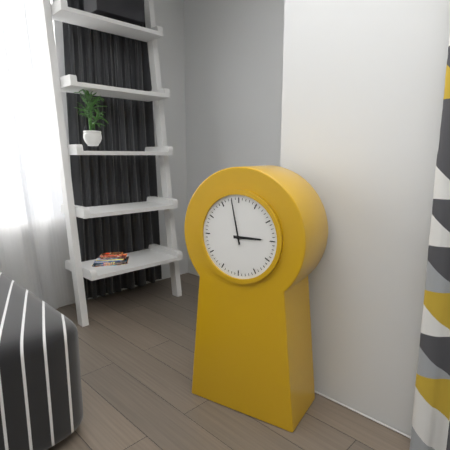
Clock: 2,58
